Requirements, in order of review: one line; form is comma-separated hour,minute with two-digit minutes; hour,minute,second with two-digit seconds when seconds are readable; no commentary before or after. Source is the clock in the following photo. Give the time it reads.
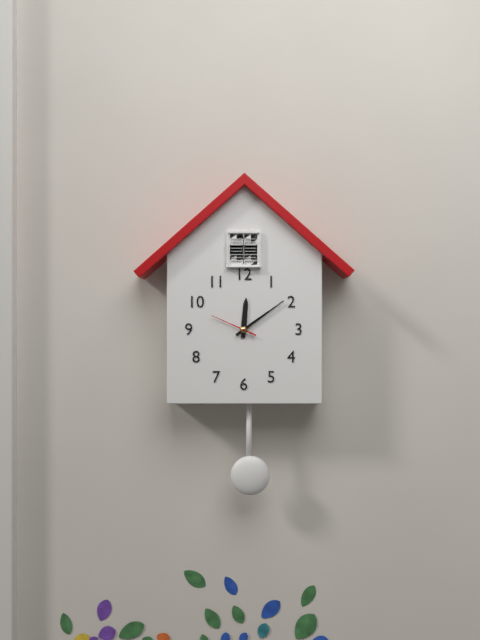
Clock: 12,09
